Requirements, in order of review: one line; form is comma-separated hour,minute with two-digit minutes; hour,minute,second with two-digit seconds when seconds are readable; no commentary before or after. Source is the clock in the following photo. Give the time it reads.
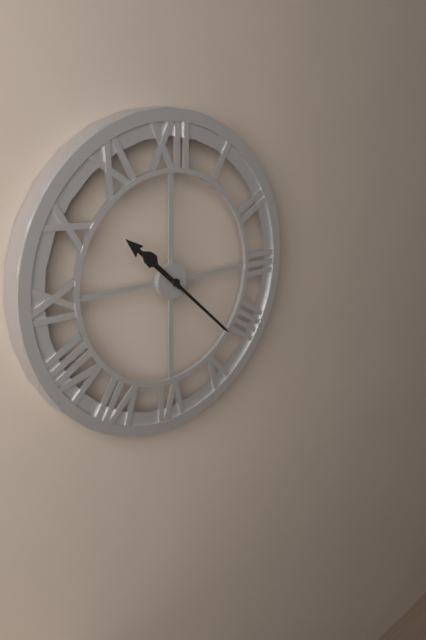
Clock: 10,22
